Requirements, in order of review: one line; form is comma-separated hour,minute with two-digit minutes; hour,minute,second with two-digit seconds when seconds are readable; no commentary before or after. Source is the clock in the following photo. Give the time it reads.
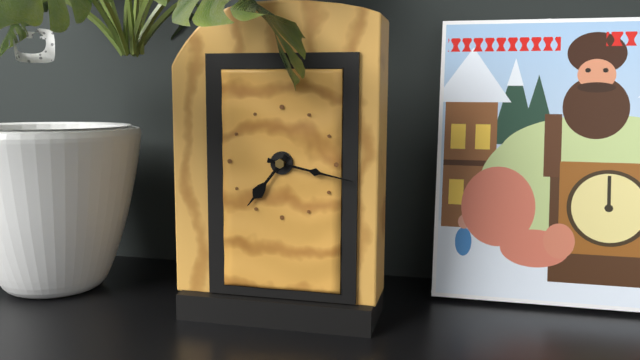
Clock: 7,17
